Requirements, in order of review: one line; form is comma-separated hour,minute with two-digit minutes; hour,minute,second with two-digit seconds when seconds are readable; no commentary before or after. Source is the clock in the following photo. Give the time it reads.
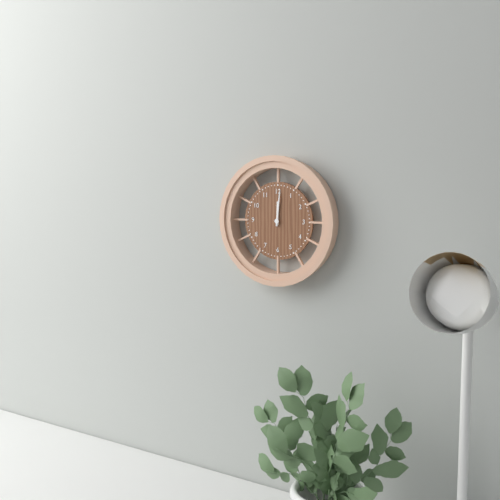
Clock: 12,01
